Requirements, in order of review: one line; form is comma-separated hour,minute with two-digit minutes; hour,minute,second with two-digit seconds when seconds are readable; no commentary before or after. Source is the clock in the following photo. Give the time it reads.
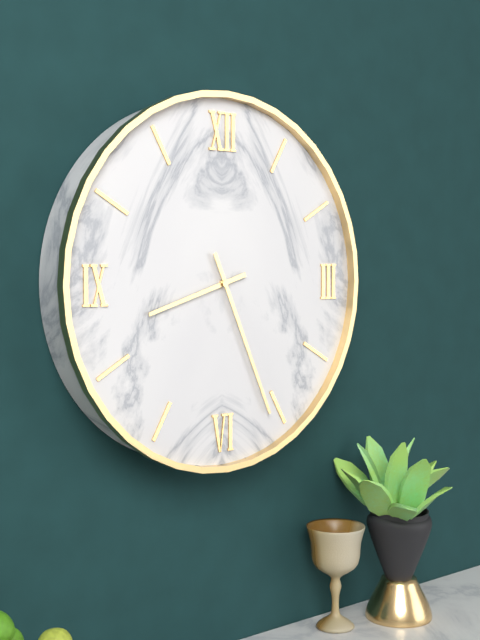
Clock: 8,26
